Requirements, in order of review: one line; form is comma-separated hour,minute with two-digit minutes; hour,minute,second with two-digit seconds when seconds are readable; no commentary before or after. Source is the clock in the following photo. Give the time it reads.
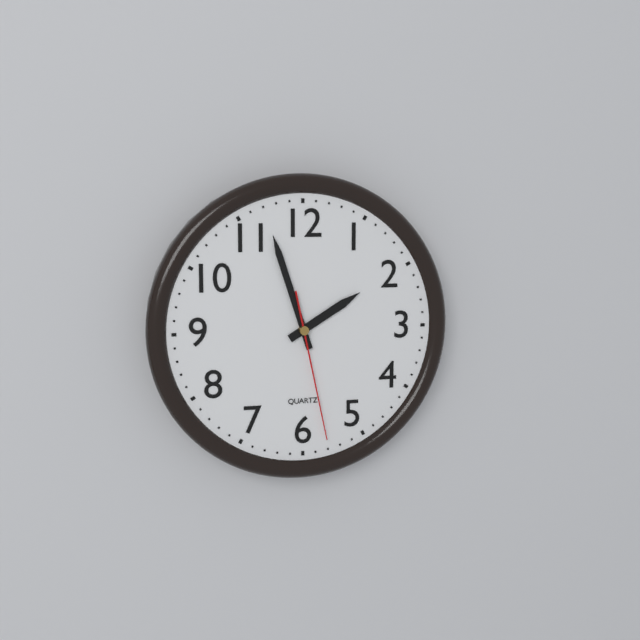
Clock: 1,57,28
